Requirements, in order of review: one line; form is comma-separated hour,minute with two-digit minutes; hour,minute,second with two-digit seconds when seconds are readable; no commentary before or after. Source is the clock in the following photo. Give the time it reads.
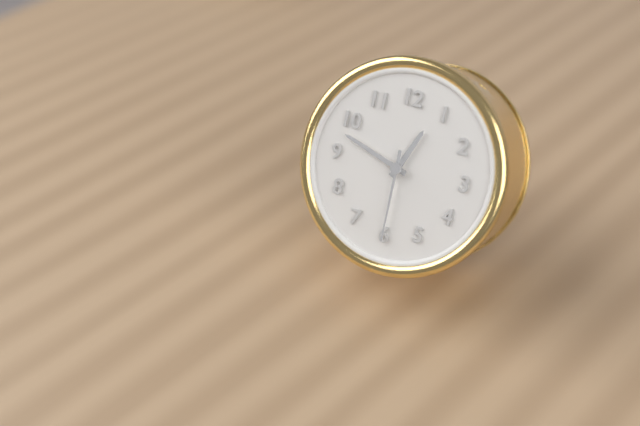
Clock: 12,48,30
